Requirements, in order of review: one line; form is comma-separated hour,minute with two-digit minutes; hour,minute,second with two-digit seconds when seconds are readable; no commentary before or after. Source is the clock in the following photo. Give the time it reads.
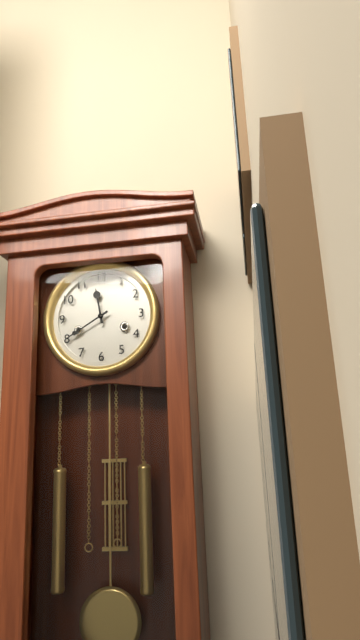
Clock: 11,40
